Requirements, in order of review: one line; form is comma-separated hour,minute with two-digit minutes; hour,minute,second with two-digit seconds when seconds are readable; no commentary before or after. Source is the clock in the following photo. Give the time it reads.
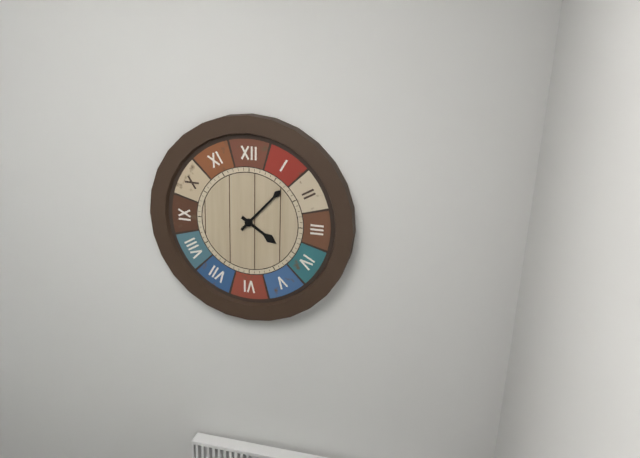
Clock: 4,07
